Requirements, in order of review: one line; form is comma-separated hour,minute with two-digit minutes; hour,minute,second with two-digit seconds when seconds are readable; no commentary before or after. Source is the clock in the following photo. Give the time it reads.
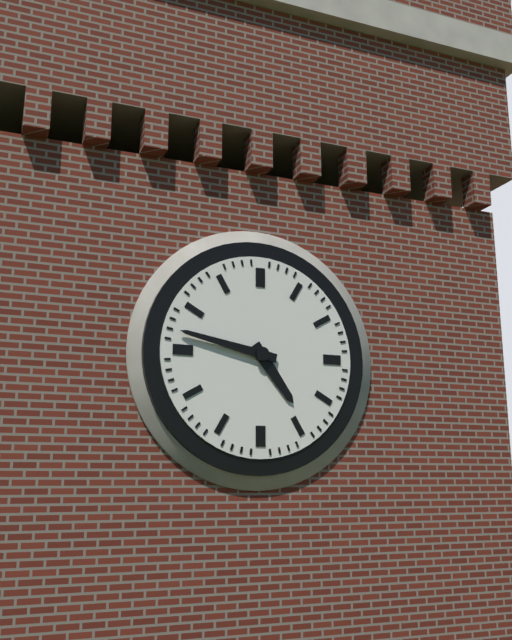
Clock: 4,47
